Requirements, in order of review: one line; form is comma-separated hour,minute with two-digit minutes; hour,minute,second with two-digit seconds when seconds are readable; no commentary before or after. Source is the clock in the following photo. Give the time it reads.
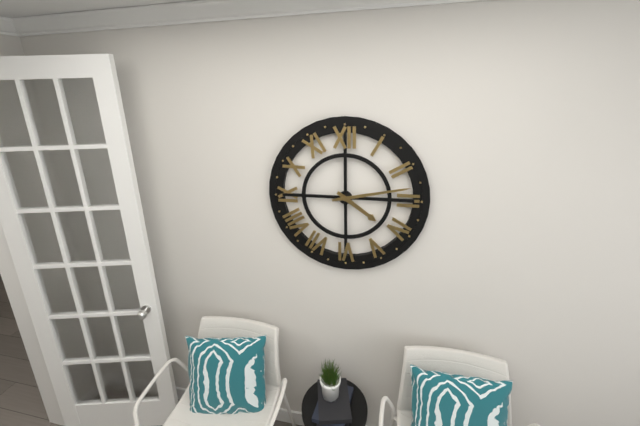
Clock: 4,13
